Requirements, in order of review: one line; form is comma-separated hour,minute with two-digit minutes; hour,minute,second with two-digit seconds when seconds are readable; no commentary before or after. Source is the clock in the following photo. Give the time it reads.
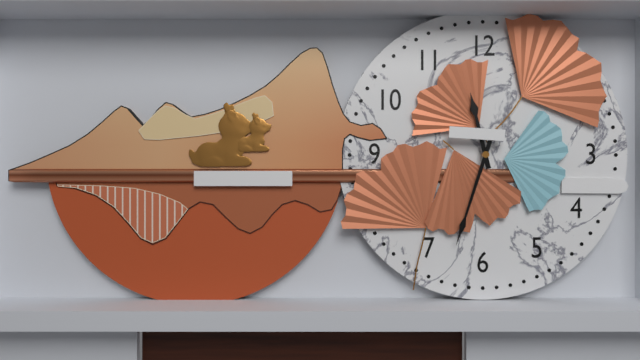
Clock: 11,33
